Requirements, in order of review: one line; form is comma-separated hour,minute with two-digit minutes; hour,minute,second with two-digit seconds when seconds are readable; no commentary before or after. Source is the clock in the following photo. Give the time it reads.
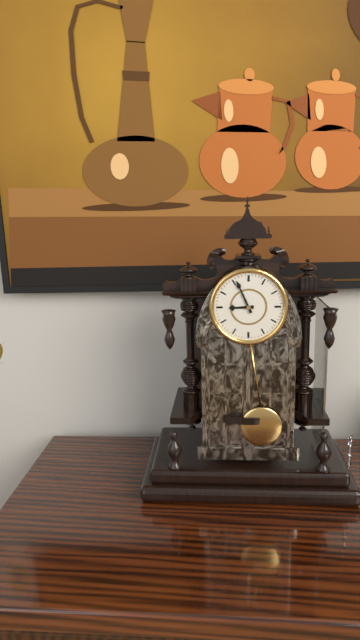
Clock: 8,56
